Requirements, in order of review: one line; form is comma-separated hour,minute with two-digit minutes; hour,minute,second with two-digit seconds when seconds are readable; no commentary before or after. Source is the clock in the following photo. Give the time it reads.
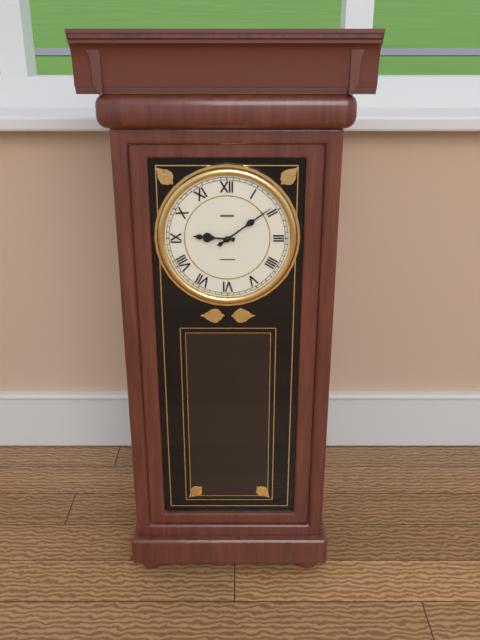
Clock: 9,09
